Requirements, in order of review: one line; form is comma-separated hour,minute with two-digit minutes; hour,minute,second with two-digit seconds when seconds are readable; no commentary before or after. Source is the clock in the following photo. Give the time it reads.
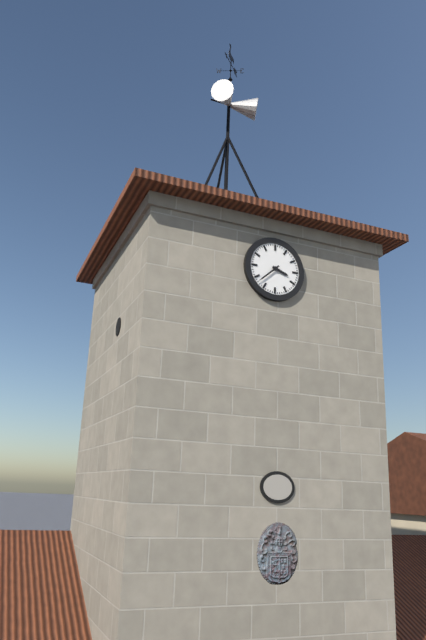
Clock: 3,38
